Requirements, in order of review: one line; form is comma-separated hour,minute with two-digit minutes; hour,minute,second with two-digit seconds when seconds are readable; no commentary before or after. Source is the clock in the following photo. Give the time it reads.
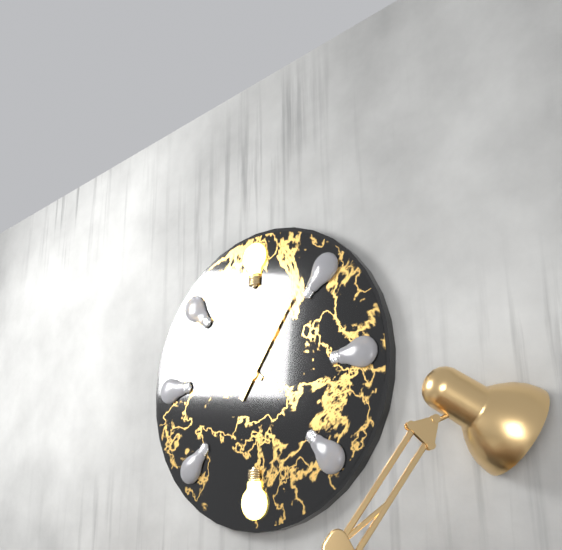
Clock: 10,06
